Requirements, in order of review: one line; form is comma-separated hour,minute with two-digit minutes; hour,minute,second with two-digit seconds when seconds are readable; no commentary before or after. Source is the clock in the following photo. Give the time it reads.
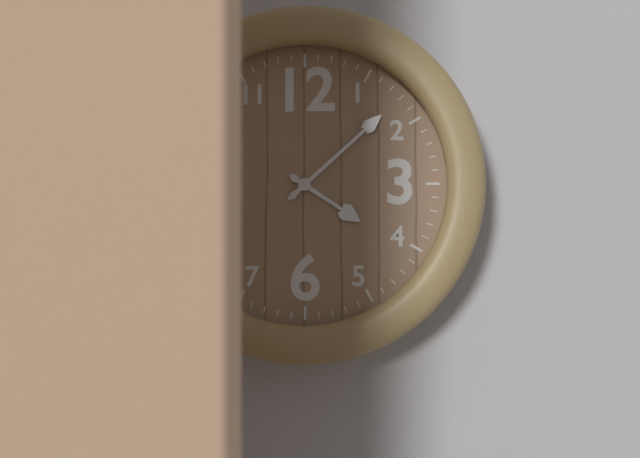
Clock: 4,08
